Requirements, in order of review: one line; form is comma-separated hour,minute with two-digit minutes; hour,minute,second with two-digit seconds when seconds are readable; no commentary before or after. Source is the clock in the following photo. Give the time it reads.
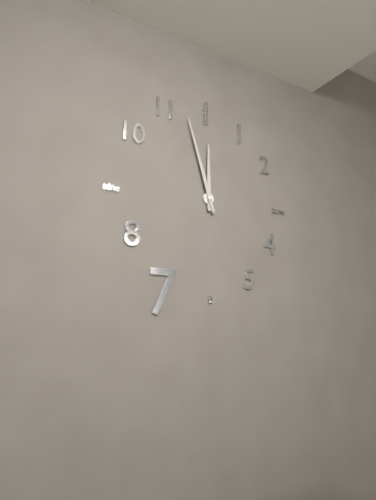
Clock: 11,57
